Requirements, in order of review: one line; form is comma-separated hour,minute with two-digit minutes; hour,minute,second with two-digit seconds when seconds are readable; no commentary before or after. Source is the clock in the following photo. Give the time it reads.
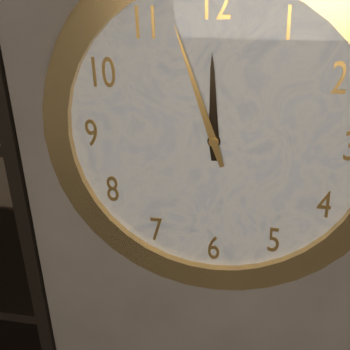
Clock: 11,57
